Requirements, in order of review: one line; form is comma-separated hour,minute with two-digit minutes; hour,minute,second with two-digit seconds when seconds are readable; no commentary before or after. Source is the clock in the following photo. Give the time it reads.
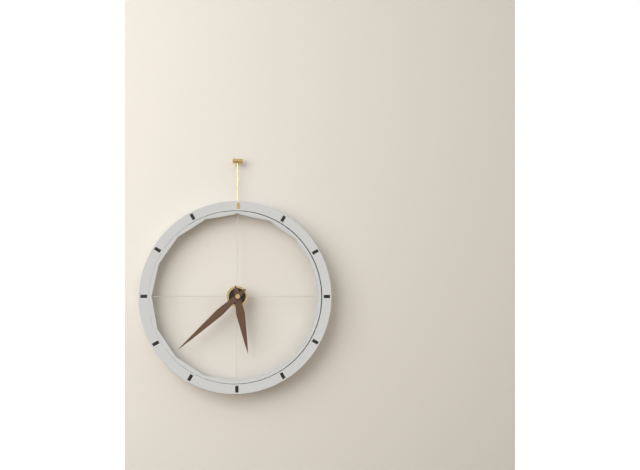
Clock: 5,38
